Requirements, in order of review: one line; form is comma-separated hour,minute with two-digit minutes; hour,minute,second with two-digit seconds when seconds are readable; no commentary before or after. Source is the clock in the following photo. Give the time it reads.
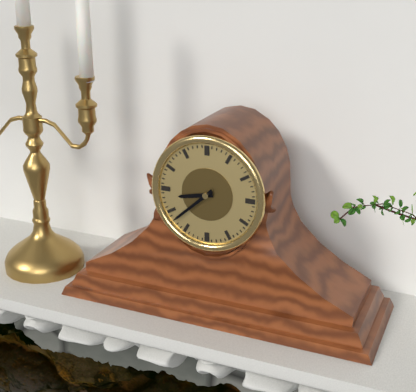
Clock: 8,38
